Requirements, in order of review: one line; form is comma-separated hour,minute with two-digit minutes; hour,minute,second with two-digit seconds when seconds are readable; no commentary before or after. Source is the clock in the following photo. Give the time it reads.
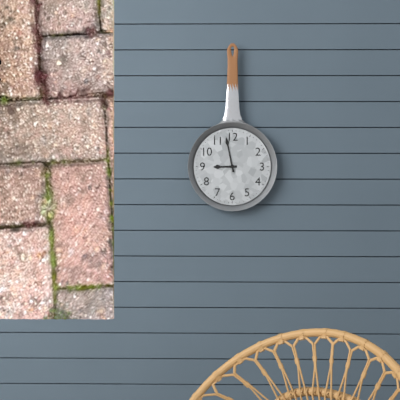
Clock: 8,58
